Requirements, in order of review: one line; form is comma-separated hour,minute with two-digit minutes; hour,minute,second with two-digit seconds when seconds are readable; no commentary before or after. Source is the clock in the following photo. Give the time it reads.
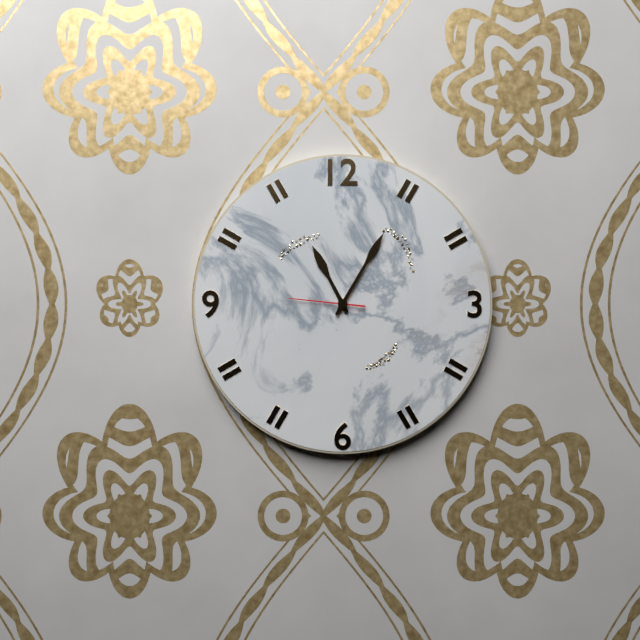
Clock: 11,05,46
